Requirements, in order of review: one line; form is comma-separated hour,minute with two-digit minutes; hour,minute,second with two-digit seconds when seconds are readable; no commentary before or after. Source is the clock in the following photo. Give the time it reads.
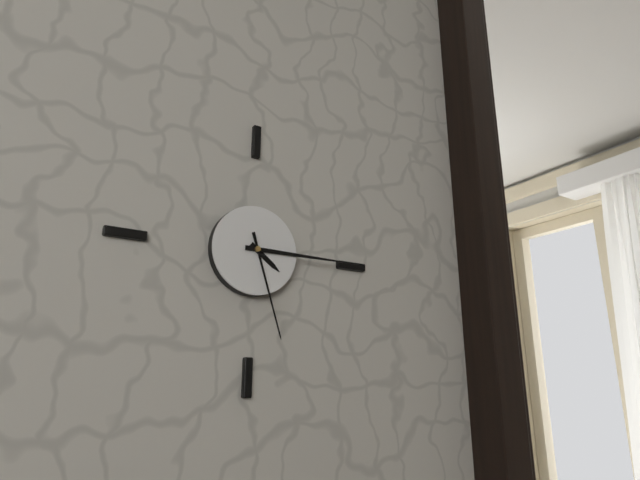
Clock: 4,15,27
